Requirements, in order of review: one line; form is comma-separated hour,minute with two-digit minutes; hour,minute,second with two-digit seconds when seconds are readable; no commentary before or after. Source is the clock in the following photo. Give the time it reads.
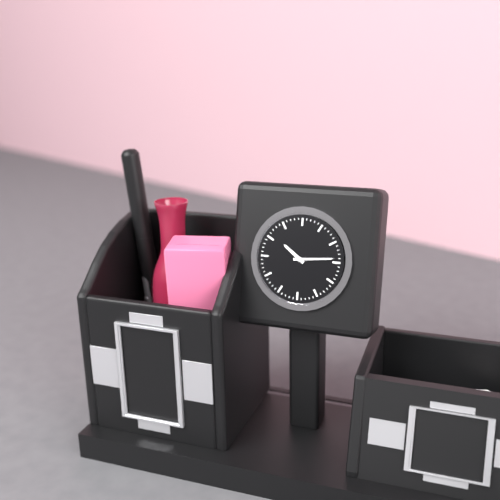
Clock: 10,14
